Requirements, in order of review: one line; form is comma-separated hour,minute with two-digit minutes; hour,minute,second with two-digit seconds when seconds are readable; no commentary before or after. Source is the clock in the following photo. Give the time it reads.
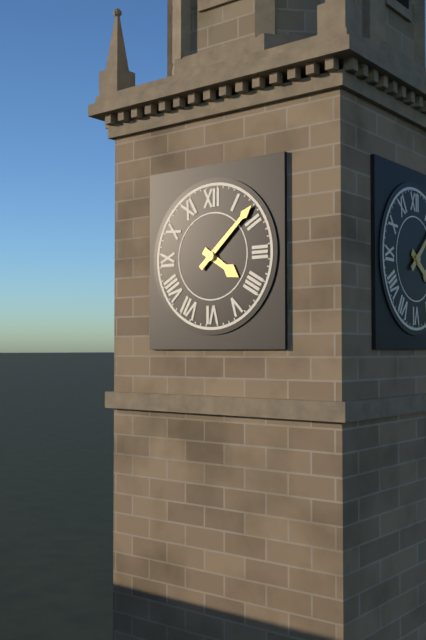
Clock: 4,08
